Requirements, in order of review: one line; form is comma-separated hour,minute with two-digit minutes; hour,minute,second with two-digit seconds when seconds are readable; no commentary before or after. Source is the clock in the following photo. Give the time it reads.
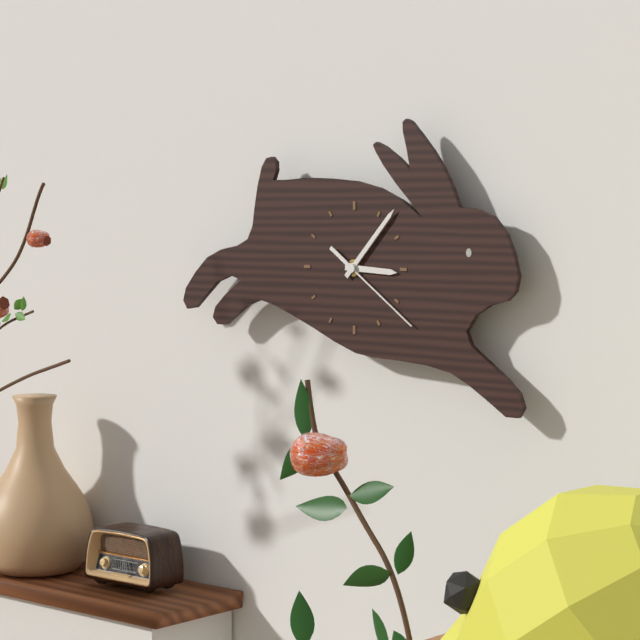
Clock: 3,07,21
